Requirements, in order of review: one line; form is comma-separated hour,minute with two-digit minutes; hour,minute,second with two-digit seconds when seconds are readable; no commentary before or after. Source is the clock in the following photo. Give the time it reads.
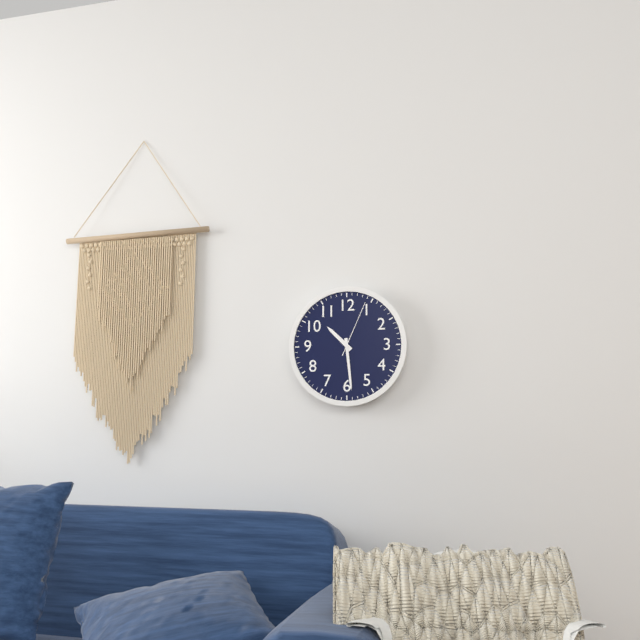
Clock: 10,29,04
